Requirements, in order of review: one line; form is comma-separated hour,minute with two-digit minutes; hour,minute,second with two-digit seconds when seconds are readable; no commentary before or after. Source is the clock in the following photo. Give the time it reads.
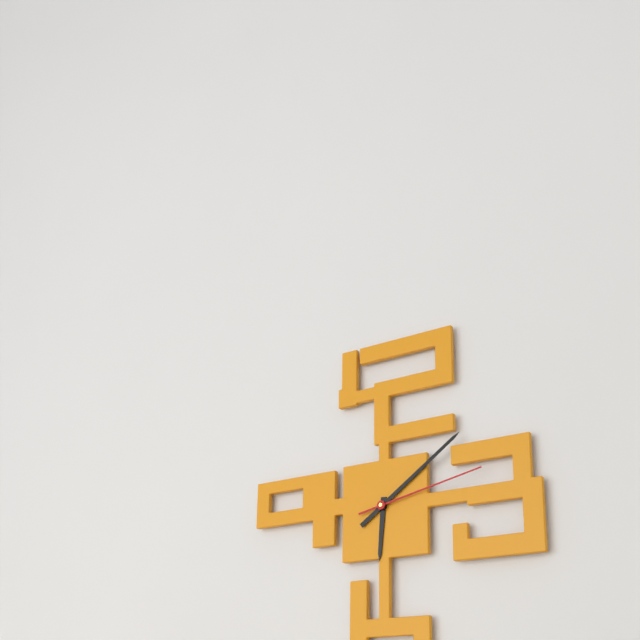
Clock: 6,09,13
